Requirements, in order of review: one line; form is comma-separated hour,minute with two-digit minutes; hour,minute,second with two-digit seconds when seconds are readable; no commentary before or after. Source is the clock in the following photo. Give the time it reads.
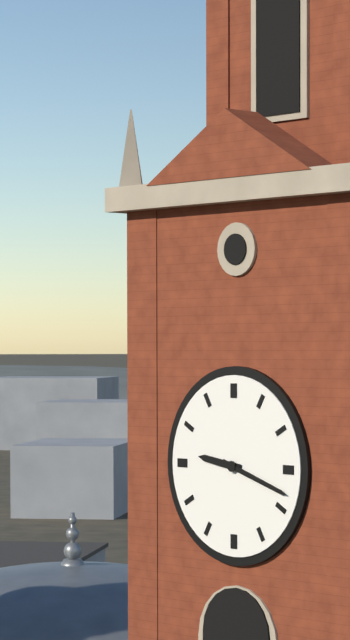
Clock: 9,18
